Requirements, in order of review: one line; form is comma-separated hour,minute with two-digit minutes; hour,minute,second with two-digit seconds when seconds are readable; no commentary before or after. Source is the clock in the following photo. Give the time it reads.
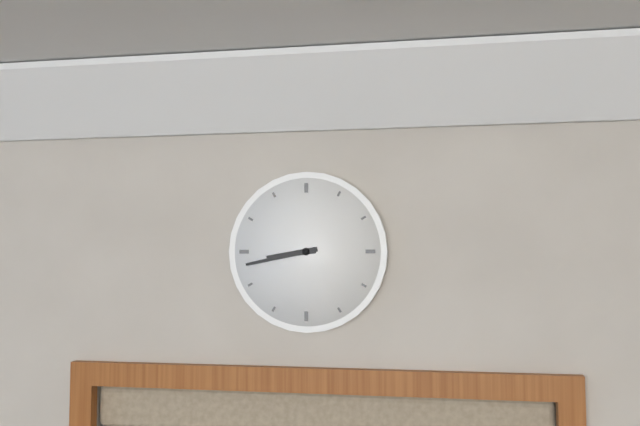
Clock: 8,43
